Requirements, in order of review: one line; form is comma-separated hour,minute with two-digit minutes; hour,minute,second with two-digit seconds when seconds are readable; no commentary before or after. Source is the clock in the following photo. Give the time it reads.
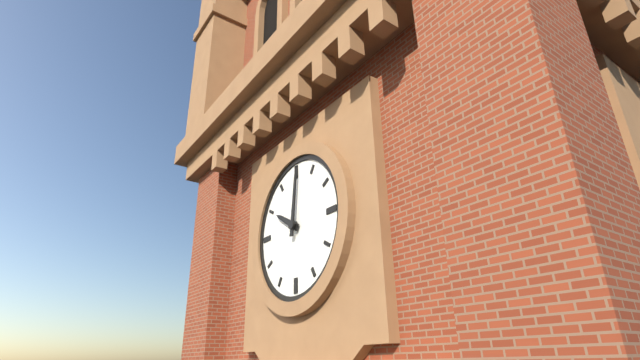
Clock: 10,01
